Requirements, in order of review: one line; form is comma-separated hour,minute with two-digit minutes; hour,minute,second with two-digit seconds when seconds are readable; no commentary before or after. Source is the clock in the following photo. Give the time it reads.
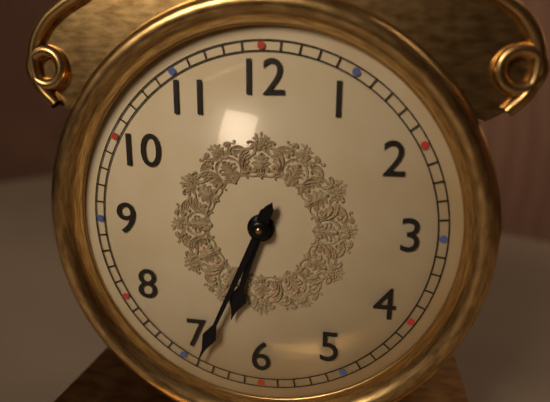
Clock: 6,34
